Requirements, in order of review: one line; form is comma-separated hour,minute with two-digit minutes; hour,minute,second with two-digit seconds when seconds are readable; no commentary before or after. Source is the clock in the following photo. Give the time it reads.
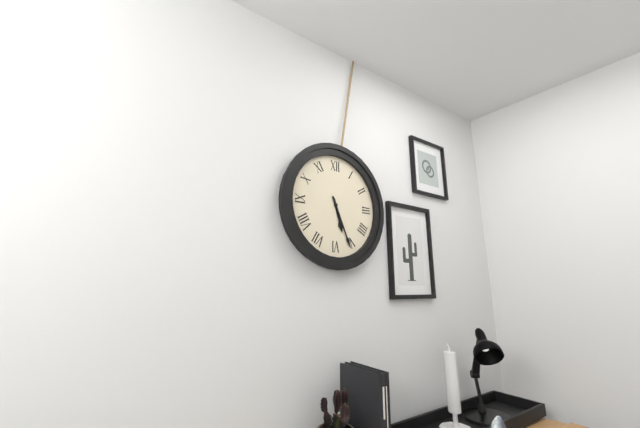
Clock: 5,26
